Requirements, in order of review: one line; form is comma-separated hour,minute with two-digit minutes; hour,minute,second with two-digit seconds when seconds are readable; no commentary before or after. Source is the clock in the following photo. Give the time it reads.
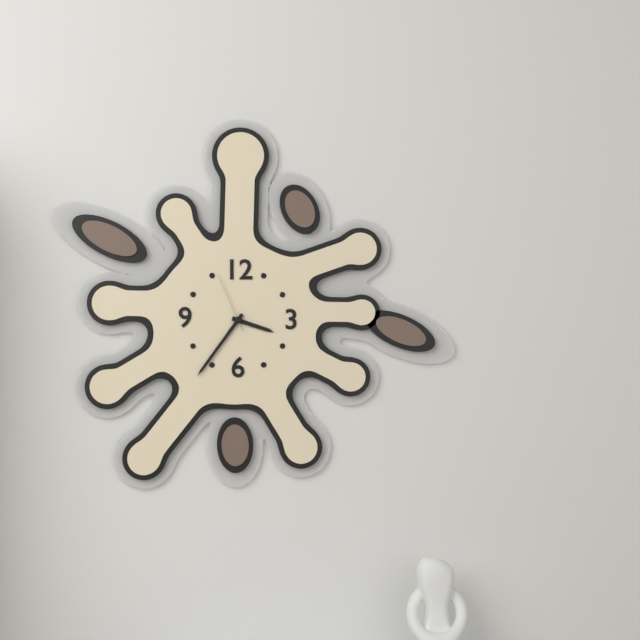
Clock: 3,36,56
